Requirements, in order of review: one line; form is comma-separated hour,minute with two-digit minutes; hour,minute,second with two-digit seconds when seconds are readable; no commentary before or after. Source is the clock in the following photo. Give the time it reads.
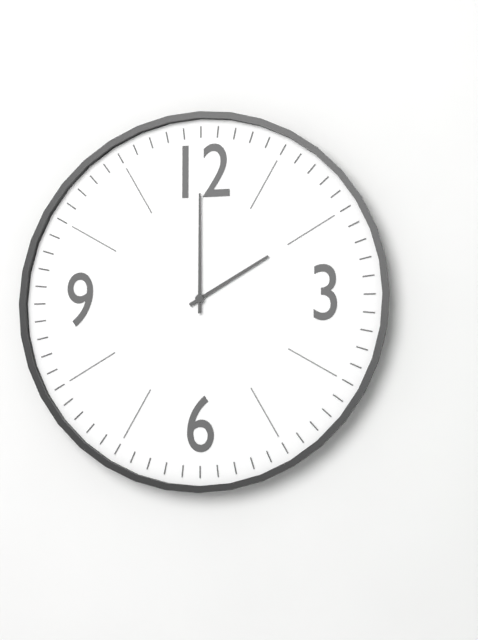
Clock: 2,00
